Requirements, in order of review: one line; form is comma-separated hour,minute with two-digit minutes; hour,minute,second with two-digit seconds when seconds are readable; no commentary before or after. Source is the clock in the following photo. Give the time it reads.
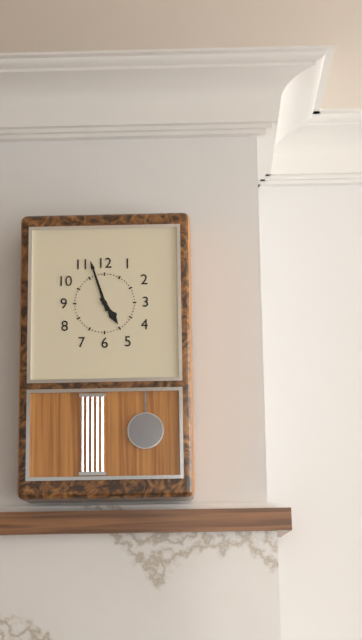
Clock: 4,57
